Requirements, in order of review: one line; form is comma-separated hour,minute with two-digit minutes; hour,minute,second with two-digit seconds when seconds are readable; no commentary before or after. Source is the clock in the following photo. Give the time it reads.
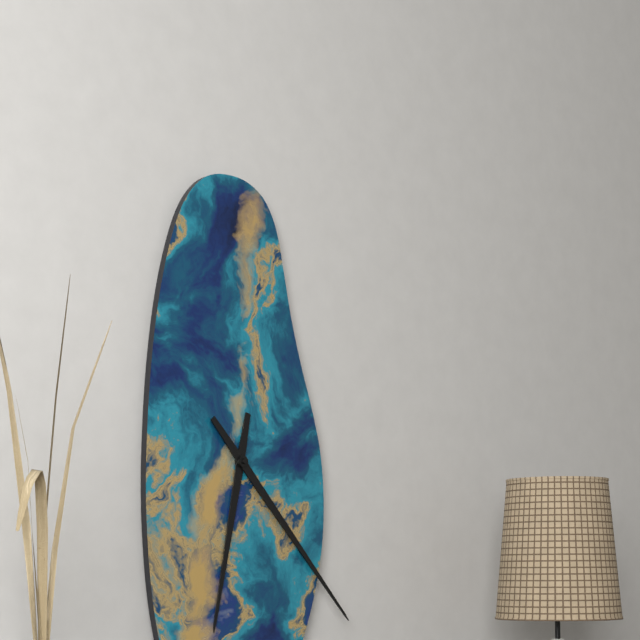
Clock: 6,23
